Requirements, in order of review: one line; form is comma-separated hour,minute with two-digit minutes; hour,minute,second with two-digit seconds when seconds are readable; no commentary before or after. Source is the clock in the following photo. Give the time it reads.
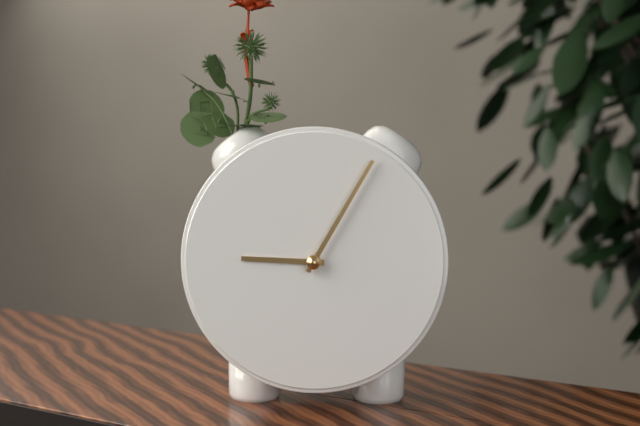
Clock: 9,05
